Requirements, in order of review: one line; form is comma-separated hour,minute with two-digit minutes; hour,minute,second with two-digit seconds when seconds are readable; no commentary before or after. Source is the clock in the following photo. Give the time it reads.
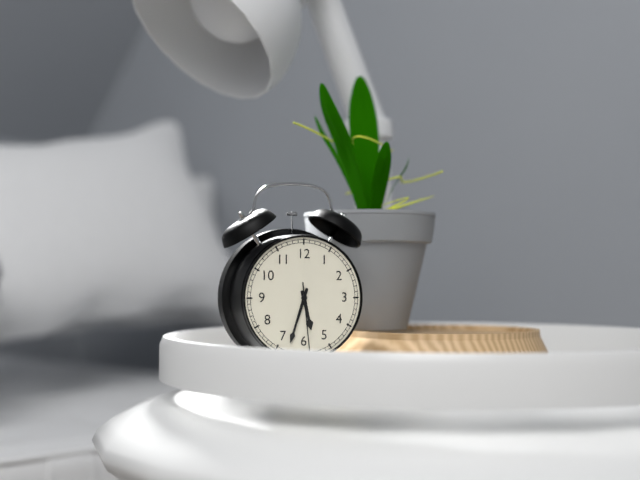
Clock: 5,33,29
